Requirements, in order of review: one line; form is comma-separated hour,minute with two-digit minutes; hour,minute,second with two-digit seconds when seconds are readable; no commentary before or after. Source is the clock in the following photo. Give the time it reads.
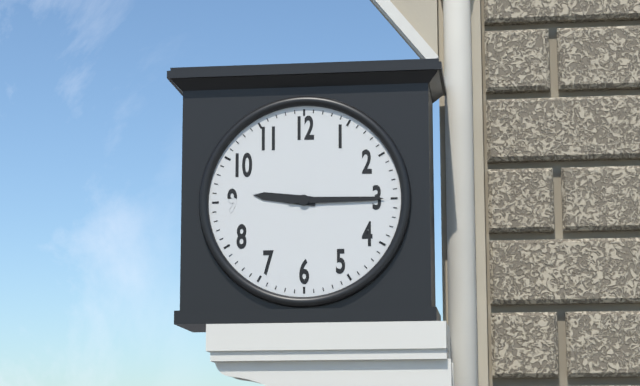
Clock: 9,15
